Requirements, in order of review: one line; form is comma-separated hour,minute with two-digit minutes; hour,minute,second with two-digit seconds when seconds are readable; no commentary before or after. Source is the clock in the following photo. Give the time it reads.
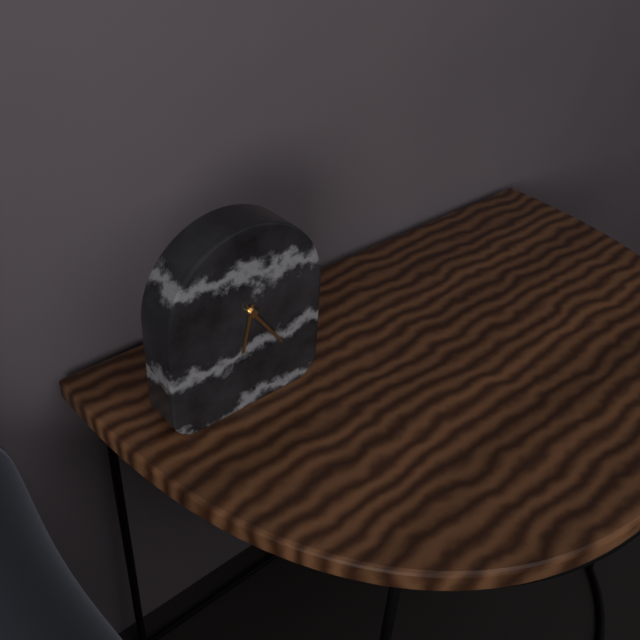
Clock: 6,24
